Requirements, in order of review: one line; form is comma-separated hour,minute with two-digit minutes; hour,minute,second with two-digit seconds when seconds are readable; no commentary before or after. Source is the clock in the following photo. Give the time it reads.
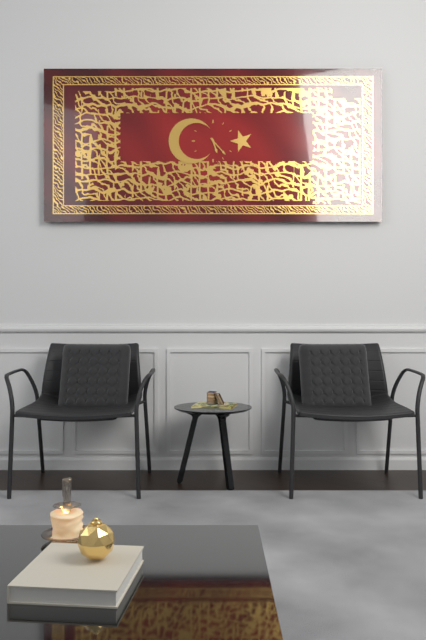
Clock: 5,23
